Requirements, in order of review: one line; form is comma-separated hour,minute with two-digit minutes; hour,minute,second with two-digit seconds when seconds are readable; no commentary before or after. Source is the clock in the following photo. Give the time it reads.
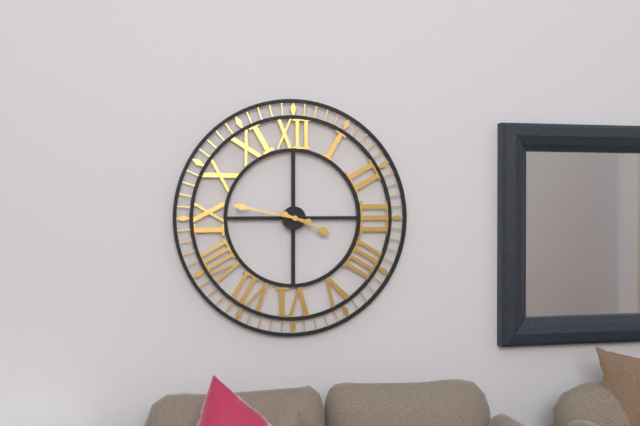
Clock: 3,47
